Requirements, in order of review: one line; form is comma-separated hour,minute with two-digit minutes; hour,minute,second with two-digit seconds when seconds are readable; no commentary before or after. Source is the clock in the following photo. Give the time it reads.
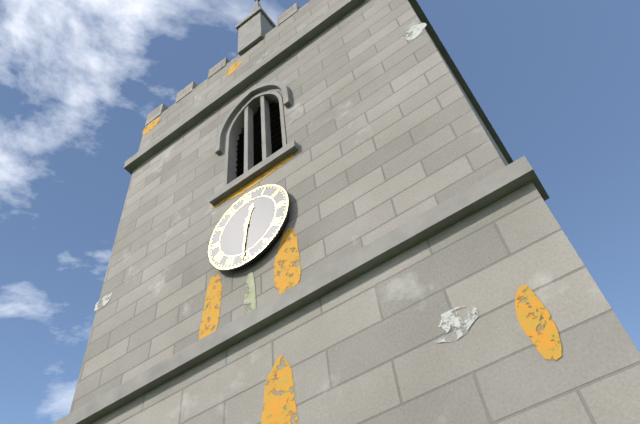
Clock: 12,31
